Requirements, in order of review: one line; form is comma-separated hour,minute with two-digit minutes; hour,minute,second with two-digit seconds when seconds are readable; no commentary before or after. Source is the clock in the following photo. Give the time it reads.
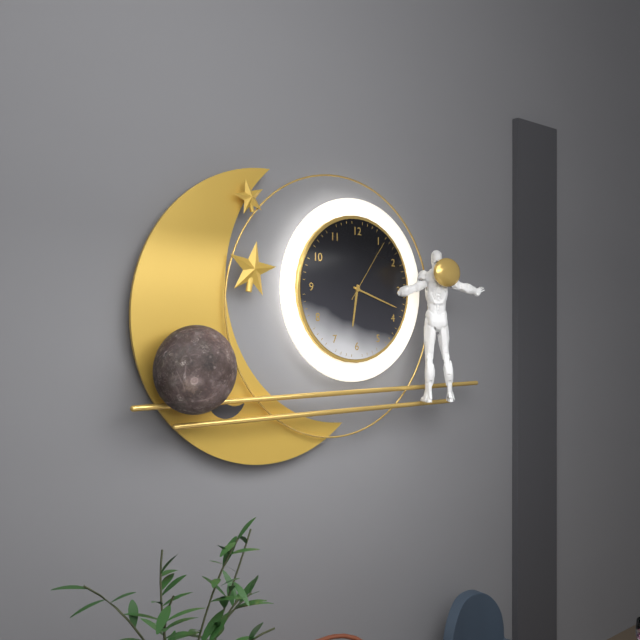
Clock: 6,18,06
